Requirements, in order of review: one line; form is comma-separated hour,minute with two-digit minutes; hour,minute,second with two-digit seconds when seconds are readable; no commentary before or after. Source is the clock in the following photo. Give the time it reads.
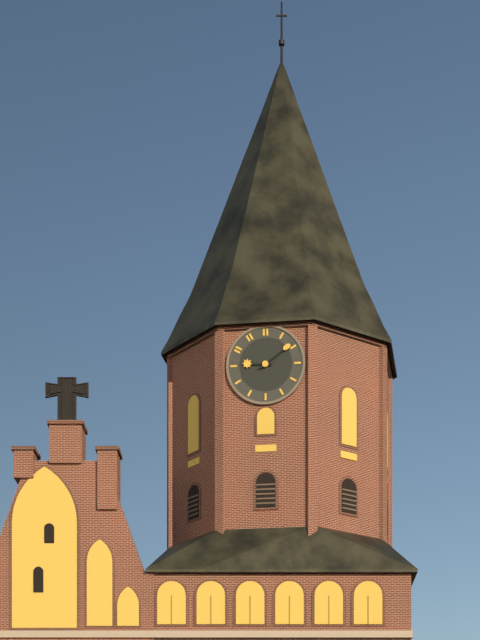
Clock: 9,09
